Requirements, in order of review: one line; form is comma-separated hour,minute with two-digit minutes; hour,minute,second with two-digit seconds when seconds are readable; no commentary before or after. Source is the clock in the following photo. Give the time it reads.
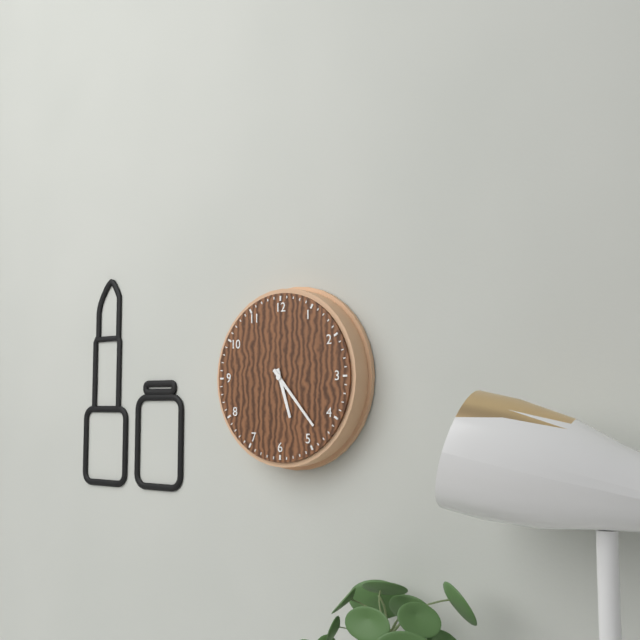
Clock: 5,23
